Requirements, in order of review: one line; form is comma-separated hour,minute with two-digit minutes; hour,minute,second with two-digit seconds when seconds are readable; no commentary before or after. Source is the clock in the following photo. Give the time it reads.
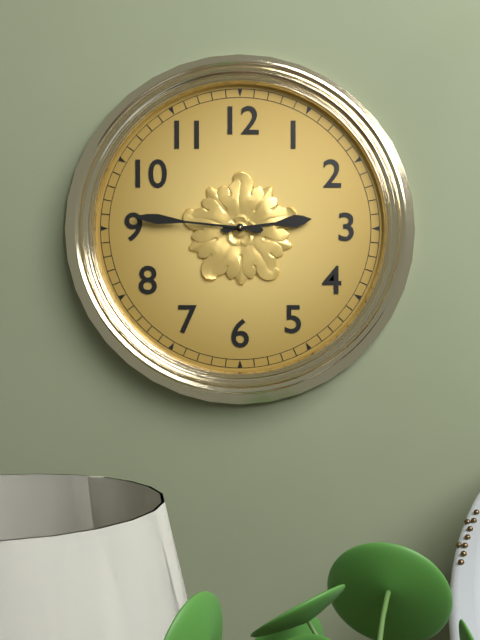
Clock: 2,46
